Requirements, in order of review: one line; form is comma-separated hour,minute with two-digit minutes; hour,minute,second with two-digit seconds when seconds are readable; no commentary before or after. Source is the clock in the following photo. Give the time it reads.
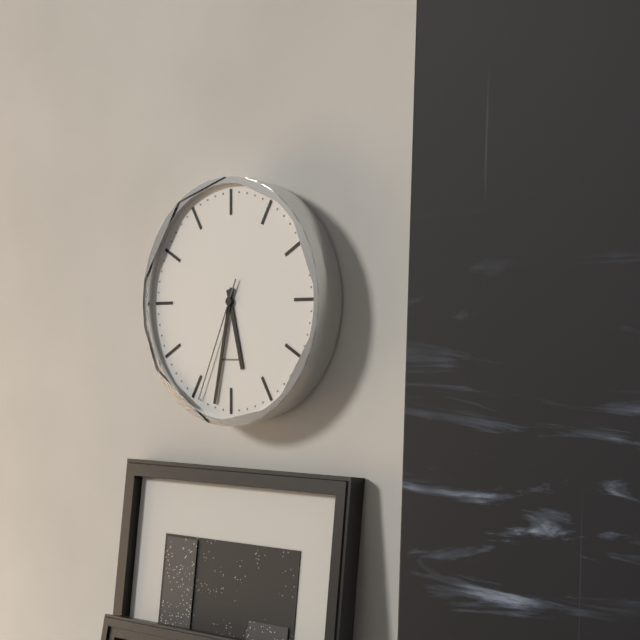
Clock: 5,32,34
